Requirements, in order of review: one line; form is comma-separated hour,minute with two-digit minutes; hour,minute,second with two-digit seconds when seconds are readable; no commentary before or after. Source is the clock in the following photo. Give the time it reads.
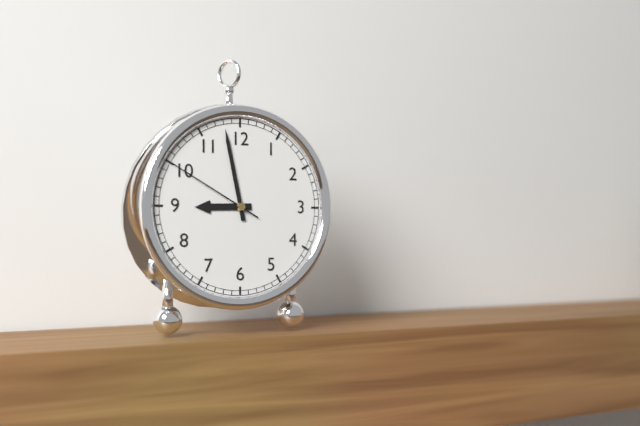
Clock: 8,58,50
